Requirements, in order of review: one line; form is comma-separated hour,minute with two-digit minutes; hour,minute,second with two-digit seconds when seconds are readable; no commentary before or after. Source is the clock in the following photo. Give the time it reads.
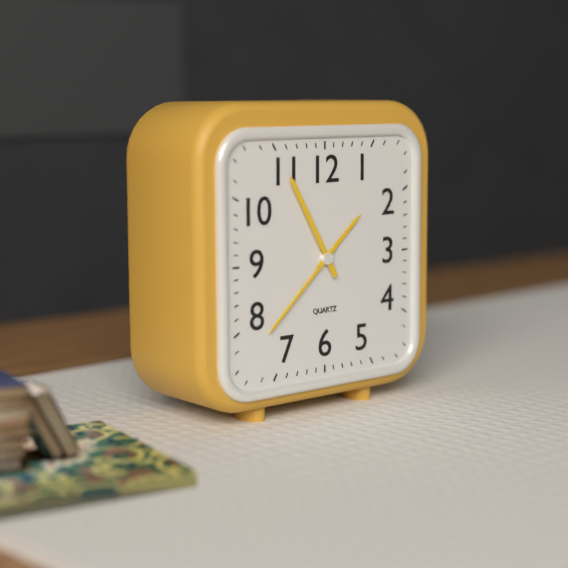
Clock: 1,38,55
